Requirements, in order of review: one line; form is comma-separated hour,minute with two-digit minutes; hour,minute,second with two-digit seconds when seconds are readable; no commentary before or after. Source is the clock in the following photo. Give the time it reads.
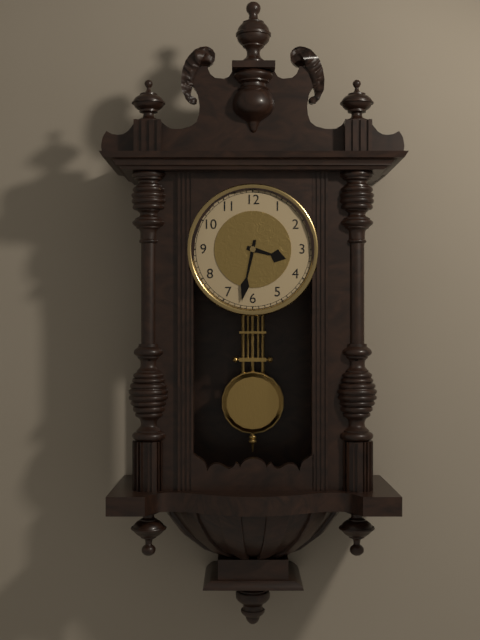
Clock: 3,32
